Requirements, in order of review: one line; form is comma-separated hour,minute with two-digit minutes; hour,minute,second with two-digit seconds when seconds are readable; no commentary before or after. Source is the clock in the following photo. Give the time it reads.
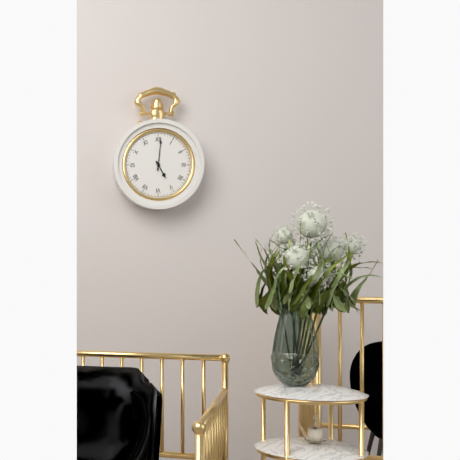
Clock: 5,01
